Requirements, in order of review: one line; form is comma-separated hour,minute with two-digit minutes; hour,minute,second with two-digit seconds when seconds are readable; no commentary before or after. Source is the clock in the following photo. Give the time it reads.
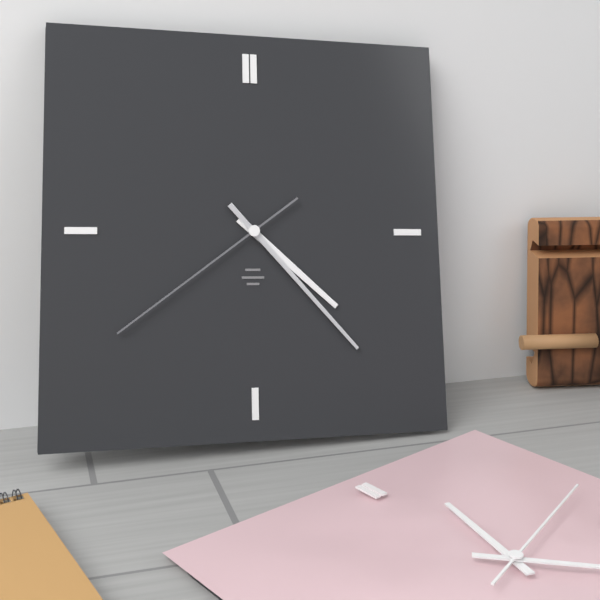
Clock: 4,23,39
